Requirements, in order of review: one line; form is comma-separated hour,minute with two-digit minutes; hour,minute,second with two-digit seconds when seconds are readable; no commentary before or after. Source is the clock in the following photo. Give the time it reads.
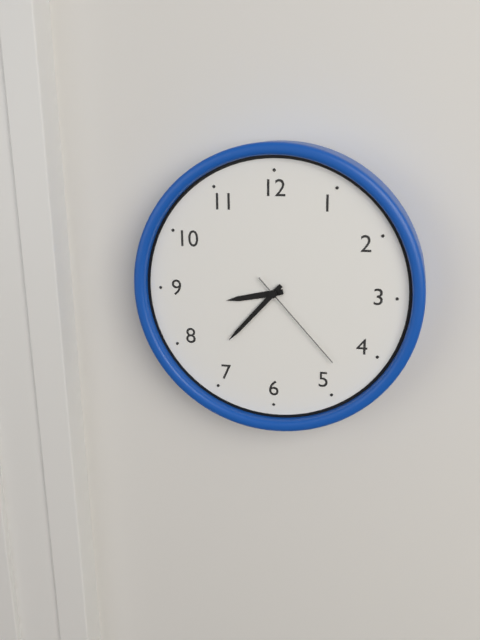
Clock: 8,37,23
